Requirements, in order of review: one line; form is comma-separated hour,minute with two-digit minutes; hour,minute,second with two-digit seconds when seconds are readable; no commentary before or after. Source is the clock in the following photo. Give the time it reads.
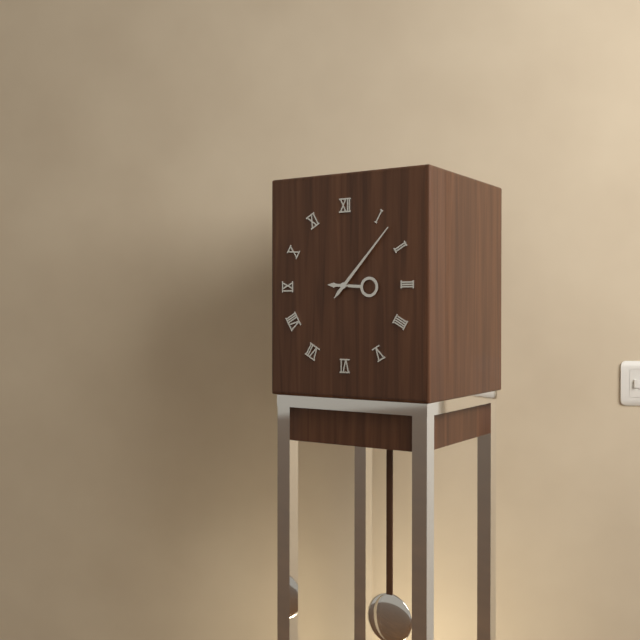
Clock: 3,07
